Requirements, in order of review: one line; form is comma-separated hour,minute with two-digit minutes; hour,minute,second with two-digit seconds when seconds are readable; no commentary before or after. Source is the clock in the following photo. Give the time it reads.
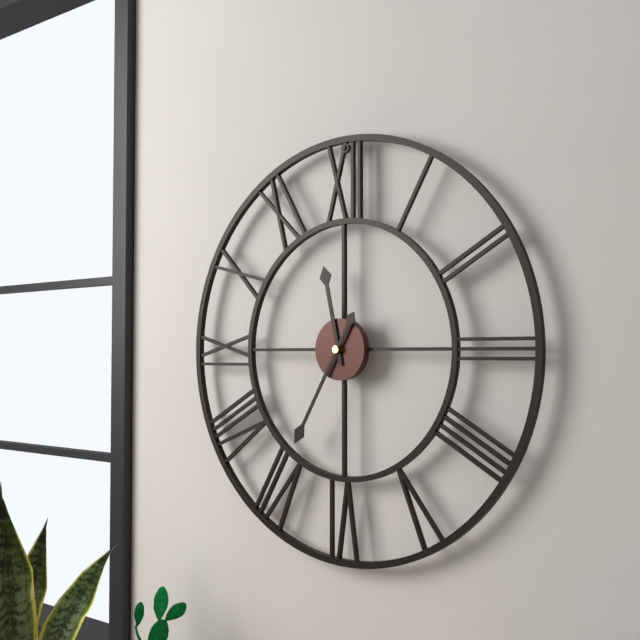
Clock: 11,35
